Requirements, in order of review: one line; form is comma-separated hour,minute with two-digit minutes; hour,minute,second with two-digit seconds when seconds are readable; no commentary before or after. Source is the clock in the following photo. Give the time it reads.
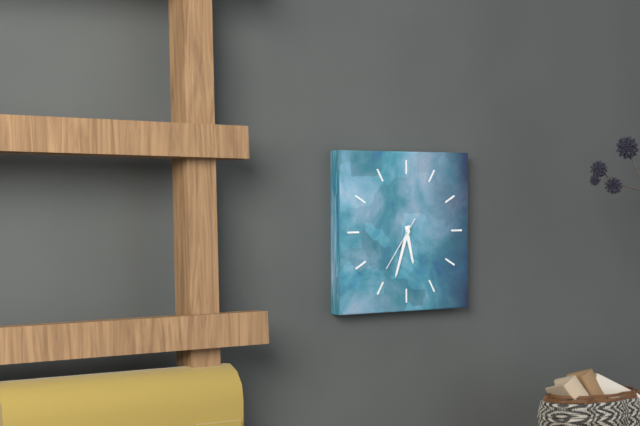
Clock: 5,33,36
